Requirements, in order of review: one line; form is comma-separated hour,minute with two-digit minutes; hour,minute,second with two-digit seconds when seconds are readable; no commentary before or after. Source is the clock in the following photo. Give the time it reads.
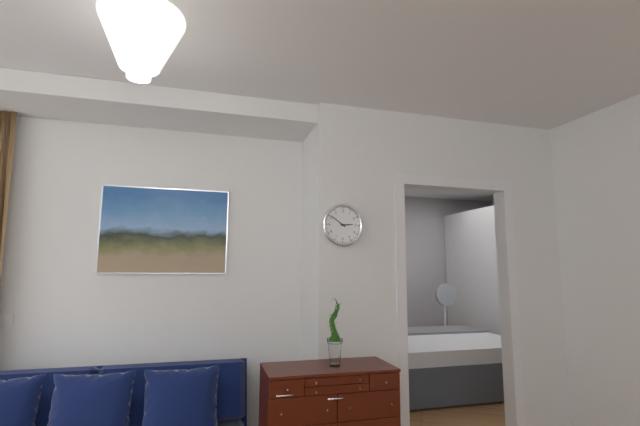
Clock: 2,51
